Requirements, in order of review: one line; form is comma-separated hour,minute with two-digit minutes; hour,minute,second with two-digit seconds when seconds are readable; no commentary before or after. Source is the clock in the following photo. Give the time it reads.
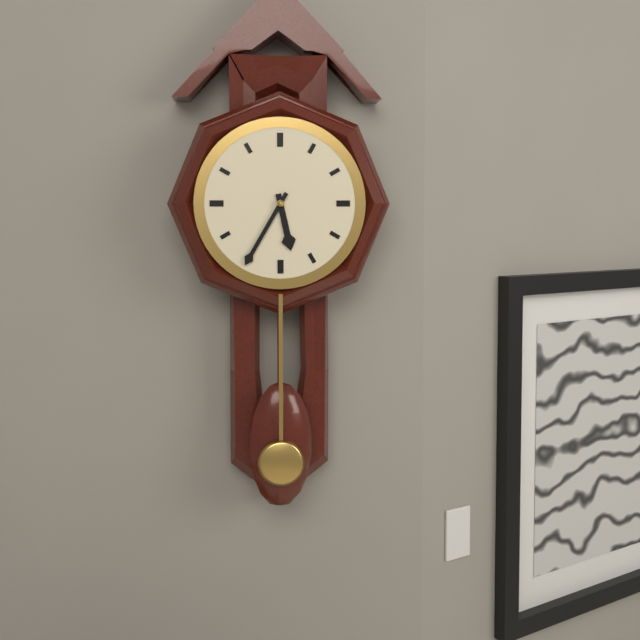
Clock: 5,35
